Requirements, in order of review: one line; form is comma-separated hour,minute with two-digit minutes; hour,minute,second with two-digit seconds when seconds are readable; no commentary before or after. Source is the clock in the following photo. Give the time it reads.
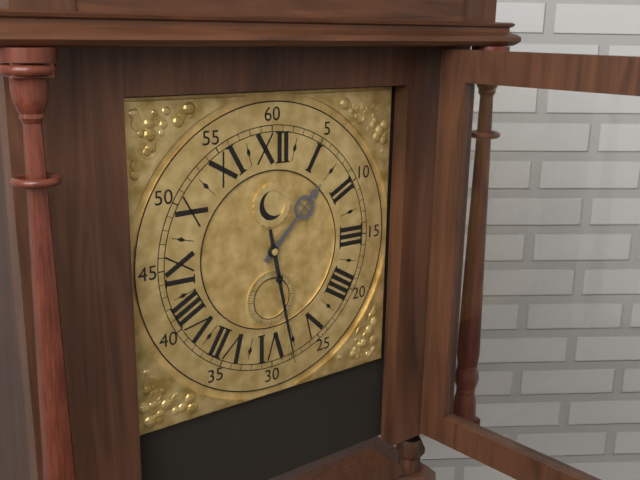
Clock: 1,28
